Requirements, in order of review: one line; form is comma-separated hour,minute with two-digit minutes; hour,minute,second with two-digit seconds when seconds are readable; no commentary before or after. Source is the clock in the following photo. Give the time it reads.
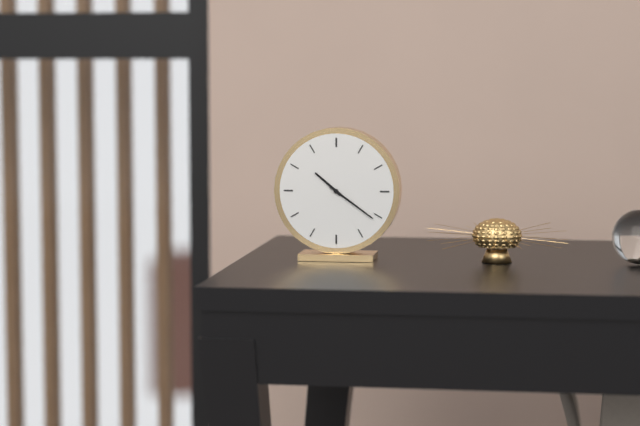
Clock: 10,21
